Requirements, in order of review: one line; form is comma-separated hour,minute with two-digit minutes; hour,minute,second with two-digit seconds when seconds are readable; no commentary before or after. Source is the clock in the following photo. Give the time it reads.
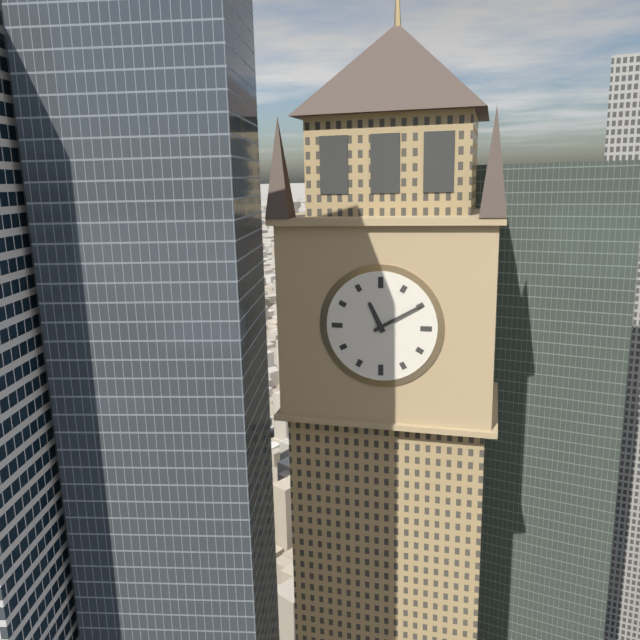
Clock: 11,10
